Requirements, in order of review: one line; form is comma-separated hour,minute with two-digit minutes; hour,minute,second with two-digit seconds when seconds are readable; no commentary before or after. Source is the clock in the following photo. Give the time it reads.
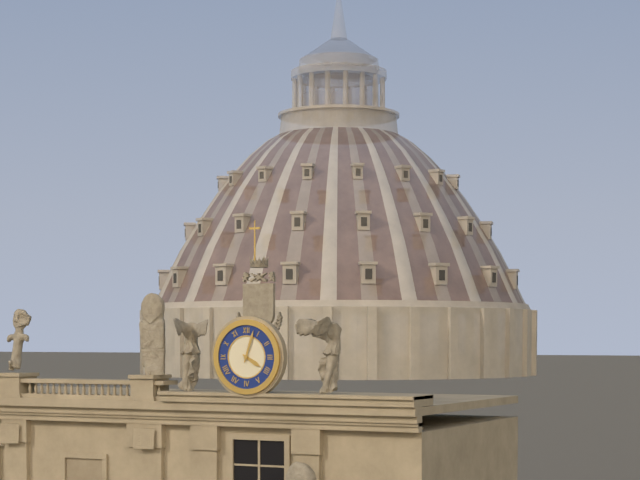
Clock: 4,03
